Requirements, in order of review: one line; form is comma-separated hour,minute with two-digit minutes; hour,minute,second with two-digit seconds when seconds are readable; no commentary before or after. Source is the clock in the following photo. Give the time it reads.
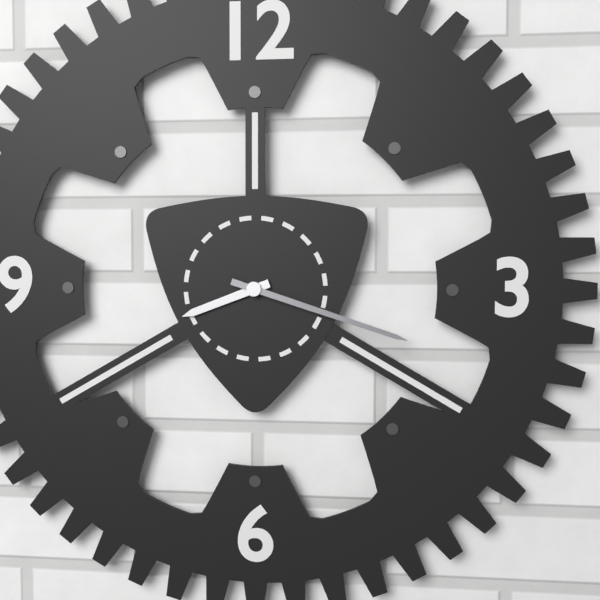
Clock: 8,18
